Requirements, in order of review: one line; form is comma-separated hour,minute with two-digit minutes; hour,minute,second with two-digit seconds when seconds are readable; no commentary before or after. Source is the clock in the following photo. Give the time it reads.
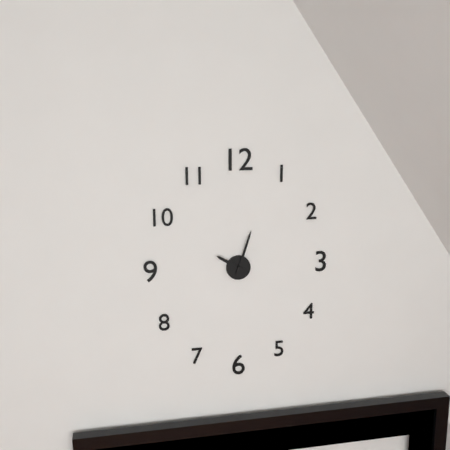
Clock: 10,03
